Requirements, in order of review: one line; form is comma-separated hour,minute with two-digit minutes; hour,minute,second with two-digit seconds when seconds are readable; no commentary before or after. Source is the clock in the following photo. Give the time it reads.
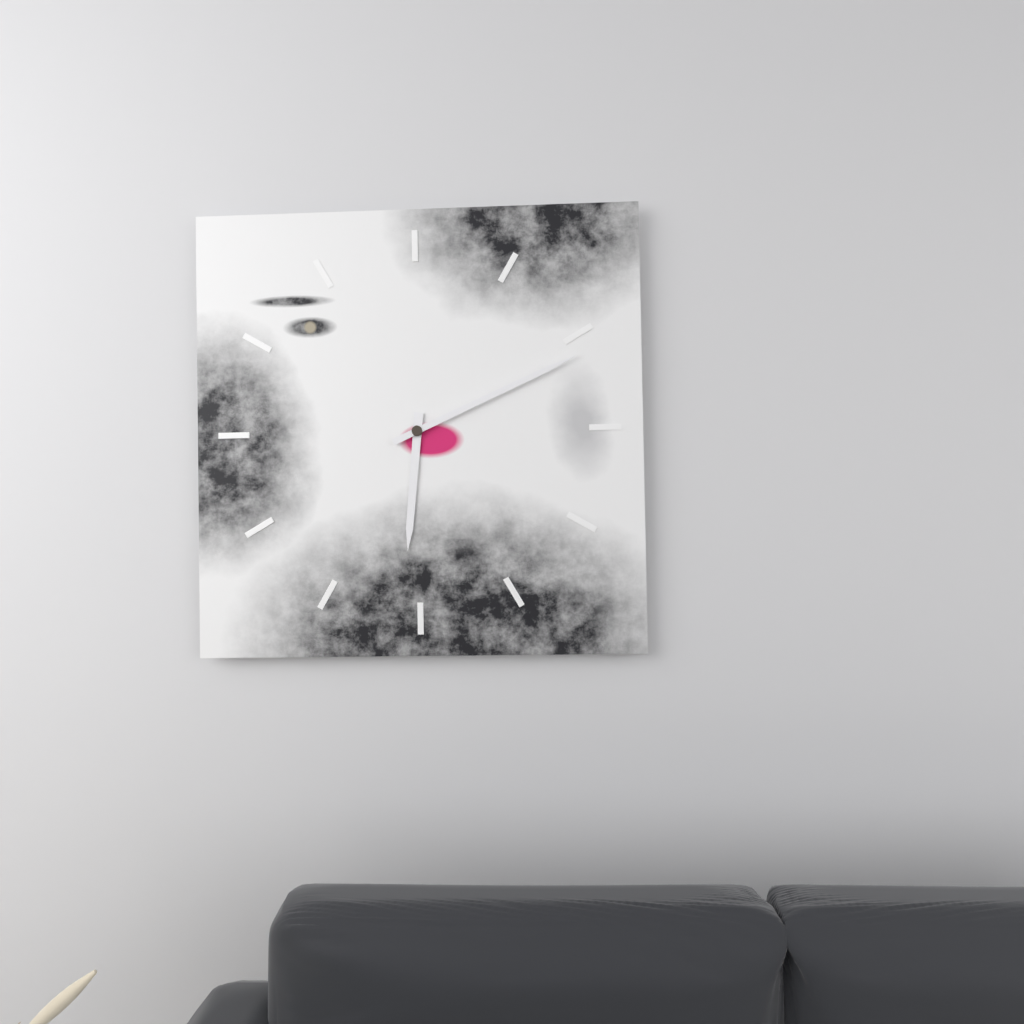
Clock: 6,11
